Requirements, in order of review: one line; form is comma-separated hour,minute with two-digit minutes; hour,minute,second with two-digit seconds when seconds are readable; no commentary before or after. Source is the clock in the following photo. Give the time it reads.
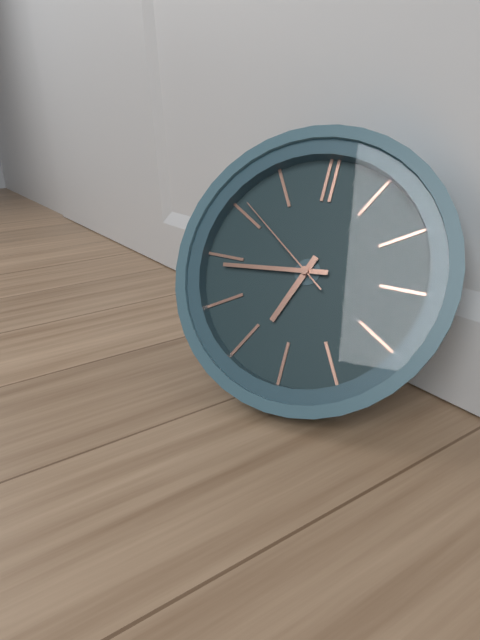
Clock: 6,44,51
